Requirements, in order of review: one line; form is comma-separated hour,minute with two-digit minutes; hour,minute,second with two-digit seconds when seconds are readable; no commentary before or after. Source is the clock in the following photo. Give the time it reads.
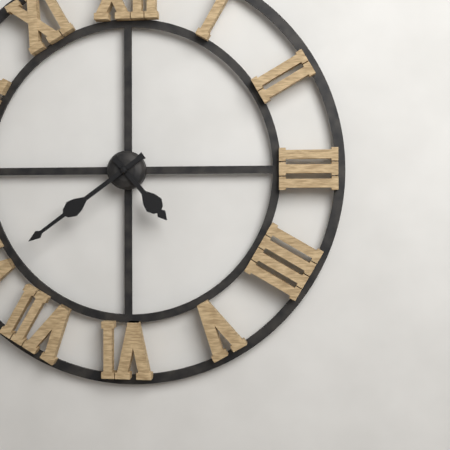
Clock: 4,39
